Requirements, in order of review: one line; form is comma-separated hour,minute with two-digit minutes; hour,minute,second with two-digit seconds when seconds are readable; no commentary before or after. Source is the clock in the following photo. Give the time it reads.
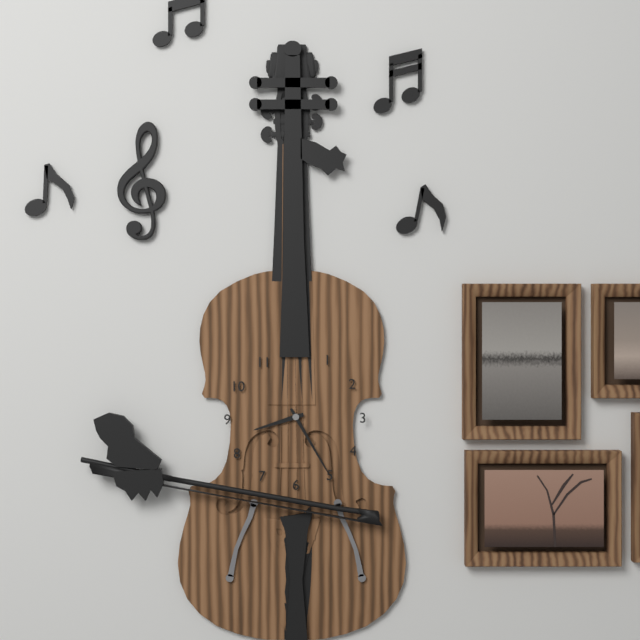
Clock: 8,25
